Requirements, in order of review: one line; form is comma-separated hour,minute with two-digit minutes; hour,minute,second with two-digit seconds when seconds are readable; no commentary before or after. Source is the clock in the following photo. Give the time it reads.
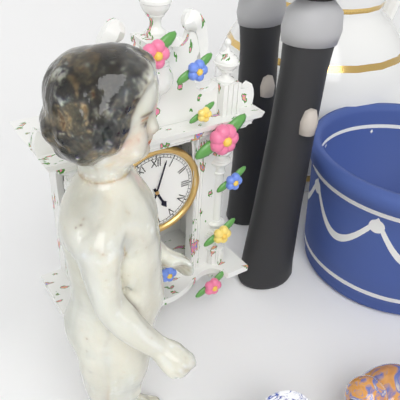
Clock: 5,03
